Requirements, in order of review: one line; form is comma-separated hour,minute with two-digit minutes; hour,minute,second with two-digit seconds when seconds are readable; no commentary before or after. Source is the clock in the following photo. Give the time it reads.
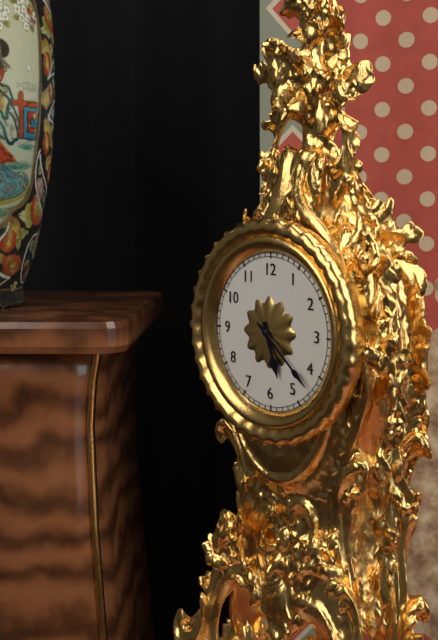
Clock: 5,22
